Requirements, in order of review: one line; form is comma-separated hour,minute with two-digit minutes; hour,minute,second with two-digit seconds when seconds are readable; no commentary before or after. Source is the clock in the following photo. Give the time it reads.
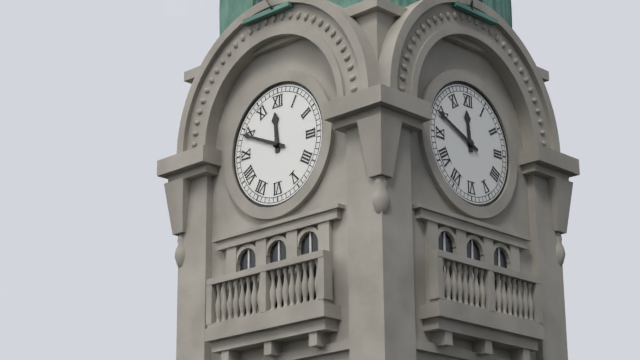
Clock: 11,49
